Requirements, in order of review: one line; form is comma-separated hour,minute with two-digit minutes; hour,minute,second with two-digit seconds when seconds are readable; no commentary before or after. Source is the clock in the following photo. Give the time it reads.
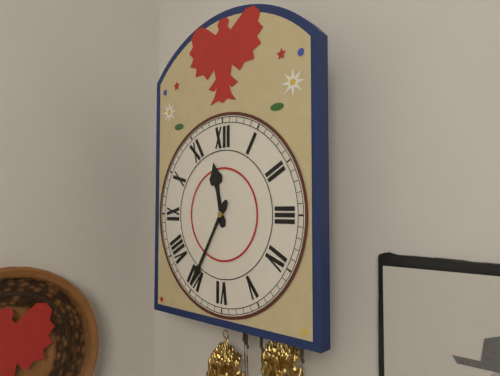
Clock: 11,35
